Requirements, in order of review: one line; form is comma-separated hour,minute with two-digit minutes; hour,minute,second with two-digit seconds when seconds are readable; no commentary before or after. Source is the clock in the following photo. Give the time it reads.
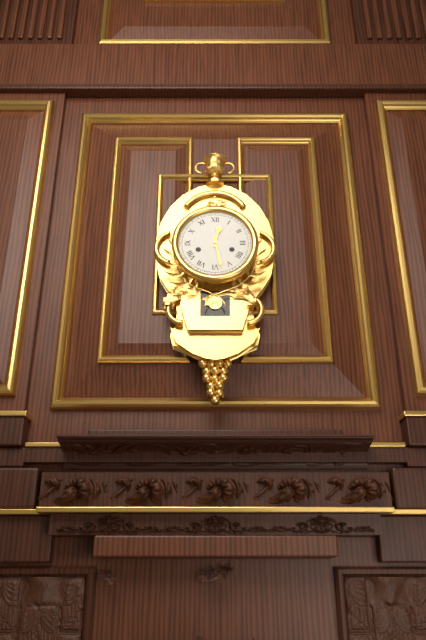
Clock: 12,28
